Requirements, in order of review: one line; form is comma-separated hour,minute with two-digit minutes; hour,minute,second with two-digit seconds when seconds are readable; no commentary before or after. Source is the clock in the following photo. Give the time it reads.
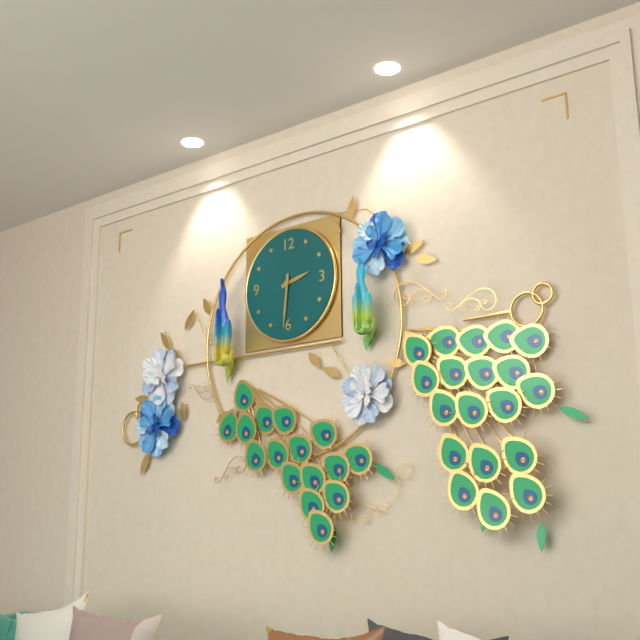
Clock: 2,31
